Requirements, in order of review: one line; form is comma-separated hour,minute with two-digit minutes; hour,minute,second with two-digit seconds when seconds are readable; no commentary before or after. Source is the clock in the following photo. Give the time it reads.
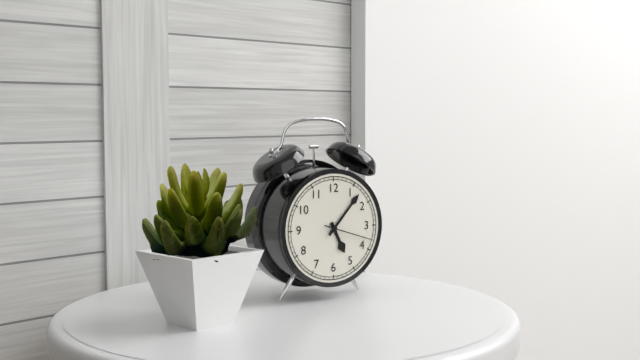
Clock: 5,07
